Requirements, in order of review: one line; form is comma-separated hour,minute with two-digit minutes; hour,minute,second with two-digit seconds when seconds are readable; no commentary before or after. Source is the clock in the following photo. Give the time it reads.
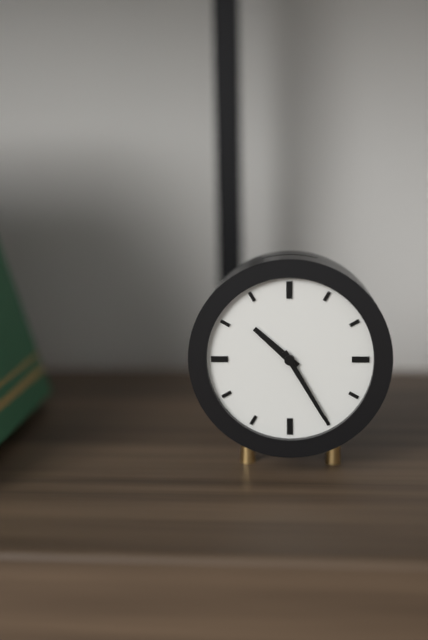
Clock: 10,25
